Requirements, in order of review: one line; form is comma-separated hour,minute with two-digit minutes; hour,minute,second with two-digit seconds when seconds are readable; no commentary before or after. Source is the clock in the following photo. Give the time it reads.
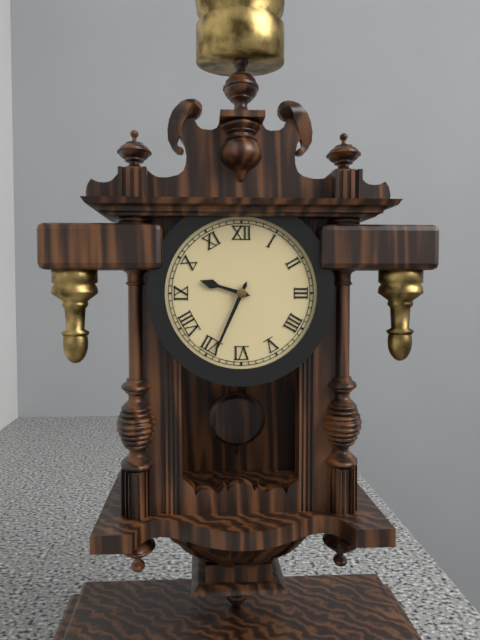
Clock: 9,34
